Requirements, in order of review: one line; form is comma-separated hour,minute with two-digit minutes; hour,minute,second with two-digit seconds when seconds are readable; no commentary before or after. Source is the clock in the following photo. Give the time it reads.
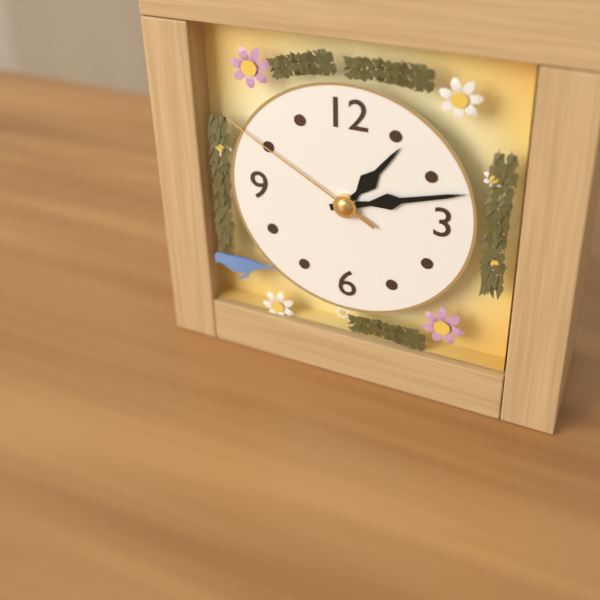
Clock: 1,12,50
